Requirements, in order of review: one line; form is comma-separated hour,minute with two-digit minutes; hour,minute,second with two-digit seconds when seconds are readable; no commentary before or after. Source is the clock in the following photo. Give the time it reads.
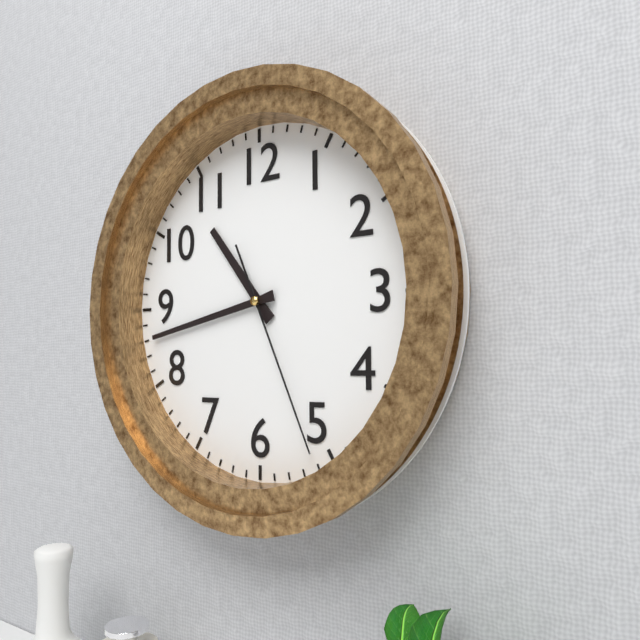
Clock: 10,43,26
